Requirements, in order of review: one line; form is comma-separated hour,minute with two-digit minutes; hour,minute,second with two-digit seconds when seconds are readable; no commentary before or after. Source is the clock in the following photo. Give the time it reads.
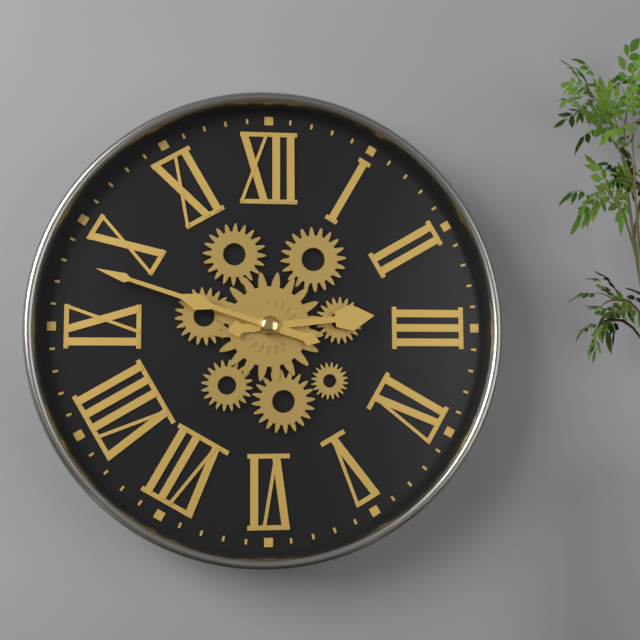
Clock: 2,48
